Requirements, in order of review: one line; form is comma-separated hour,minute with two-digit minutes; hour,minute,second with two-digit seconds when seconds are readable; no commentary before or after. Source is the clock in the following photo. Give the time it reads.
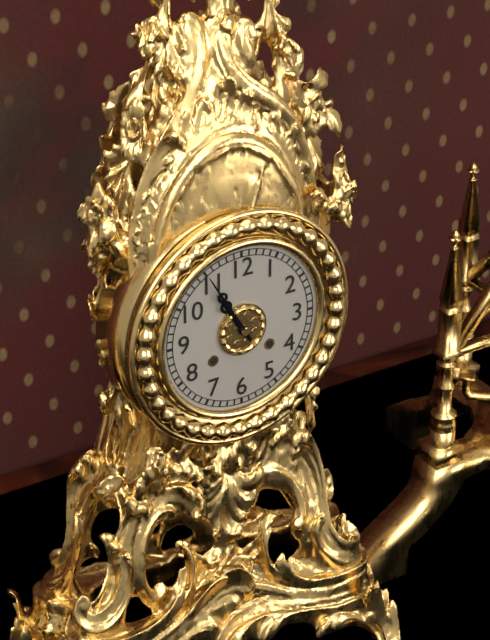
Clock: 10,55
